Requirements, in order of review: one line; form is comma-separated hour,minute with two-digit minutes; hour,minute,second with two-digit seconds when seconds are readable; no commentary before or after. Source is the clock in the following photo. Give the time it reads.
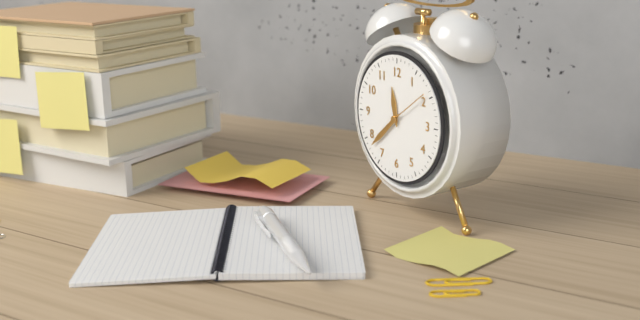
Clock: 11,38
